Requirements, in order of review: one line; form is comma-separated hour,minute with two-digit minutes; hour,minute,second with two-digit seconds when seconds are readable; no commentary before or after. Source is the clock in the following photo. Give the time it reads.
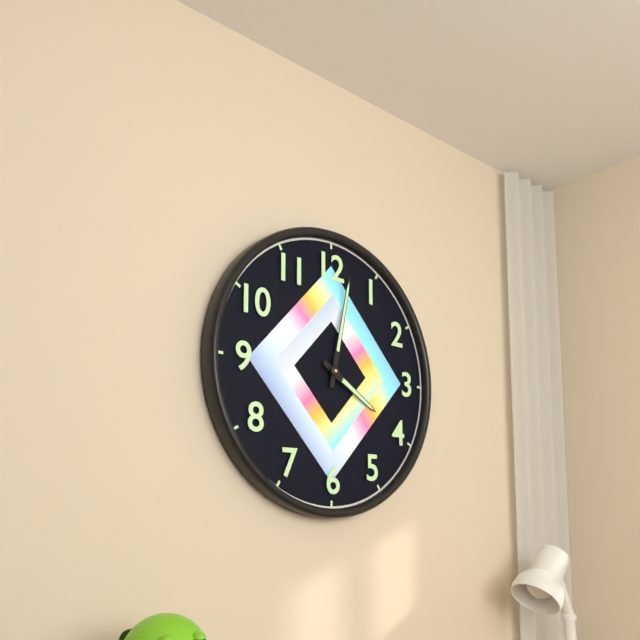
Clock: 4,02
